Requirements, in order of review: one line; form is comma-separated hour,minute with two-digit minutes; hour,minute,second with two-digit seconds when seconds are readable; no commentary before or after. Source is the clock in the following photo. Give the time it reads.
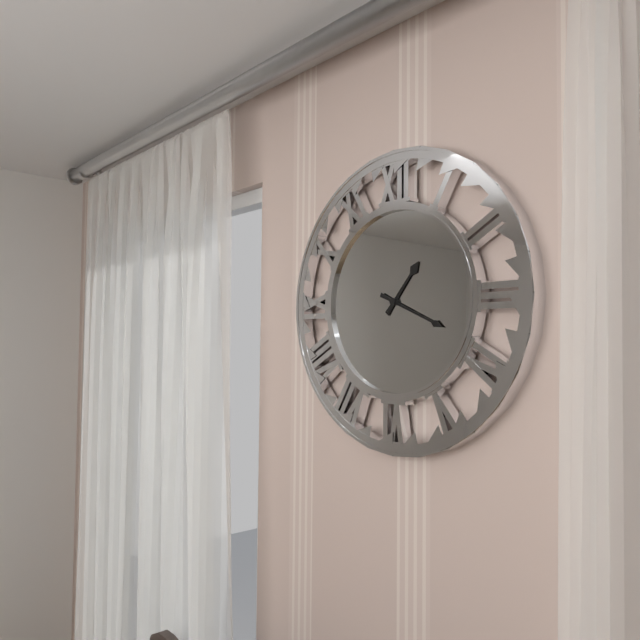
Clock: 1,19
